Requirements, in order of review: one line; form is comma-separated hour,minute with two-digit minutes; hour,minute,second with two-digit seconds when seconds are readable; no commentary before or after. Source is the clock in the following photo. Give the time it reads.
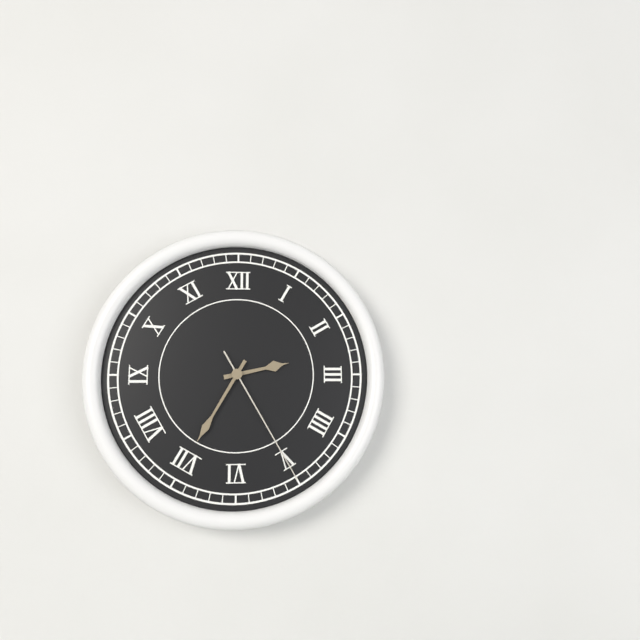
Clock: 2,35,25
